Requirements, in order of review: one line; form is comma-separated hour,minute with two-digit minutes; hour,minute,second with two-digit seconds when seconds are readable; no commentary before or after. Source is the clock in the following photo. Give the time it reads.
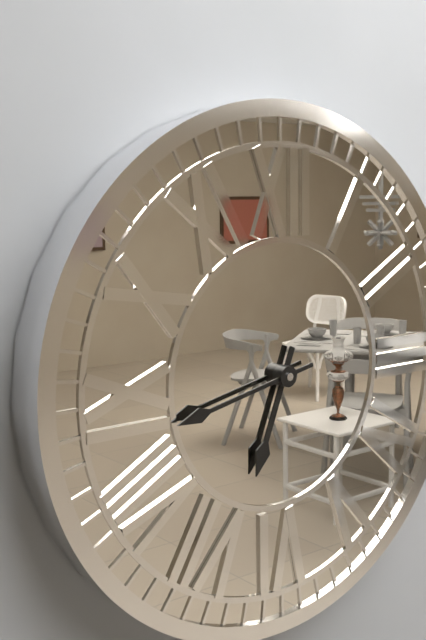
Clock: 6,43
